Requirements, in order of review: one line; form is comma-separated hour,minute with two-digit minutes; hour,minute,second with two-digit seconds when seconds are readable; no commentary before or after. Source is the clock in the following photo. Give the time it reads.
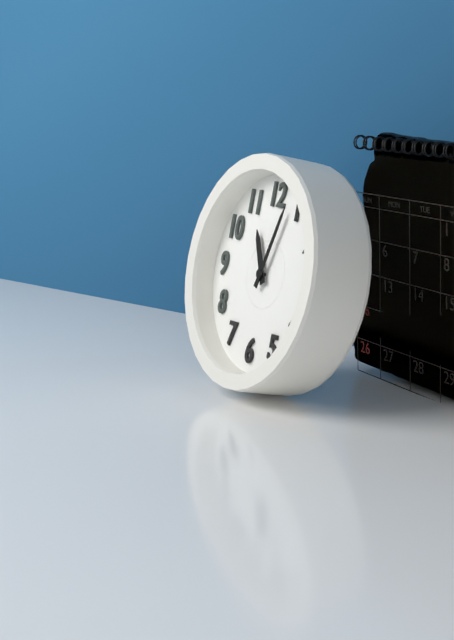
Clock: 11,03
